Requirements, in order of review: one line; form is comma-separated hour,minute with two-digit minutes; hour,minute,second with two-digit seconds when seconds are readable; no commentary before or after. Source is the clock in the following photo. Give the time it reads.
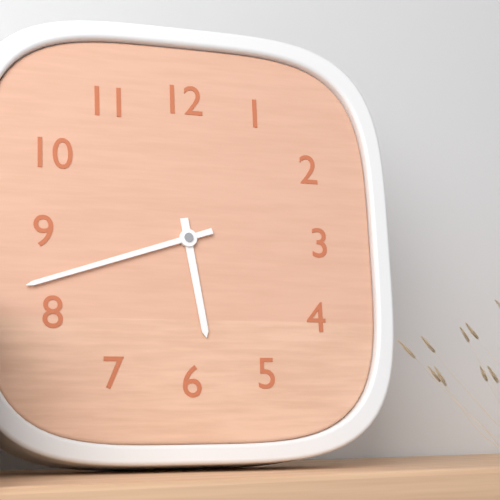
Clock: 5,42
